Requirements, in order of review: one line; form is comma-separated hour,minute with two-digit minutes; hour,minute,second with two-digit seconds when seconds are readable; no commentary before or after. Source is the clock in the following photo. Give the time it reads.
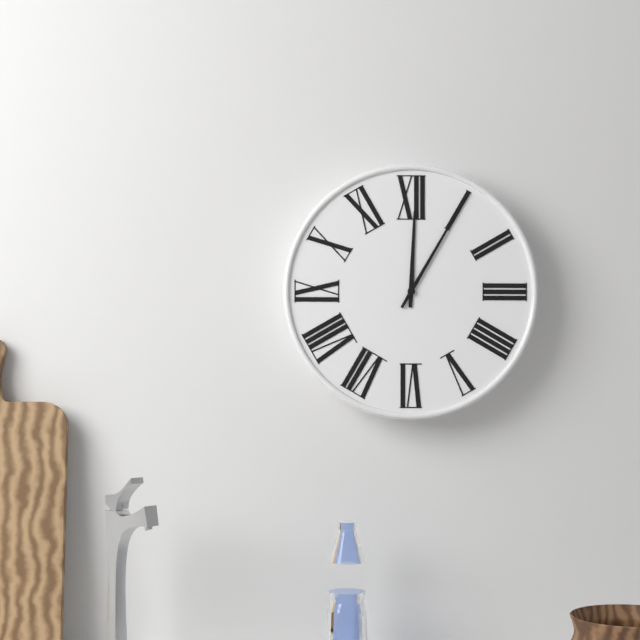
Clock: 12,05
